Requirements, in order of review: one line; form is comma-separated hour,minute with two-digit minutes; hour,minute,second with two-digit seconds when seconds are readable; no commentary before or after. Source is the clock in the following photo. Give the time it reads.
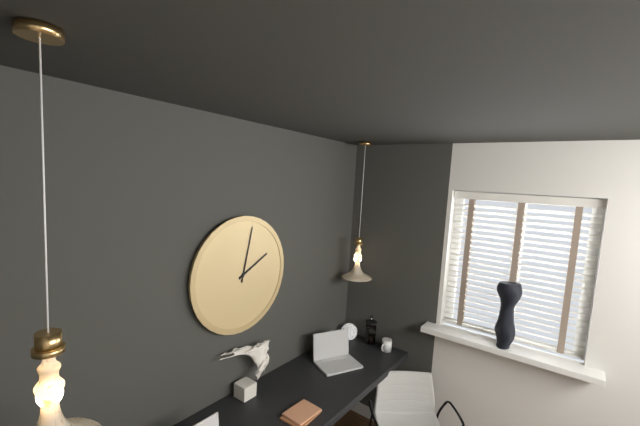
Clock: 2,02
